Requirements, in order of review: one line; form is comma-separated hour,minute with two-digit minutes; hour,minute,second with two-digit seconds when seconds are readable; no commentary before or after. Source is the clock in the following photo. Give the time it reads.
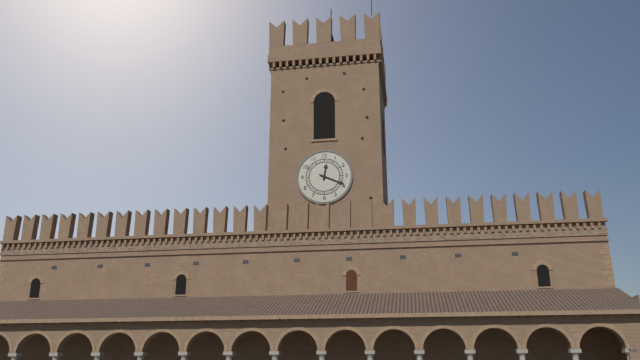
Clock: 12,19
